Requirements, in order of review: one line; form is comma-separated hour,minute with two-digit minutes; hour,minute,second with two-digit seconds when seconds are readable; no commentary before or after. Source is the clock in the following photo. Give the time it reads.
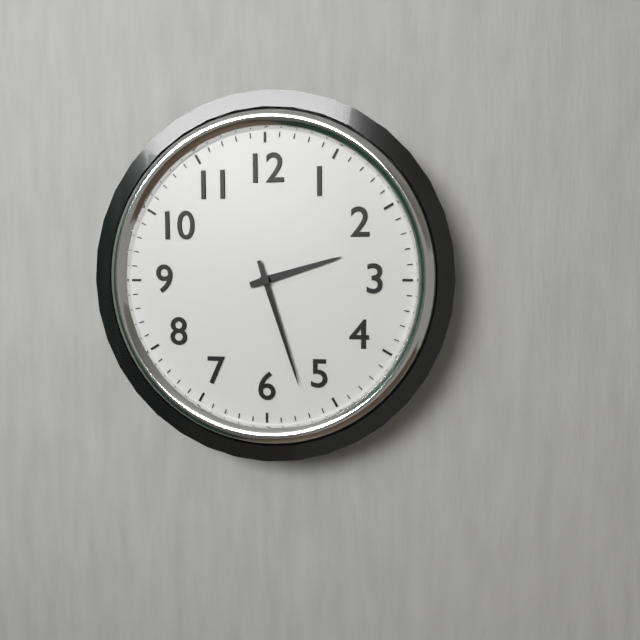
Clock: 2,27
